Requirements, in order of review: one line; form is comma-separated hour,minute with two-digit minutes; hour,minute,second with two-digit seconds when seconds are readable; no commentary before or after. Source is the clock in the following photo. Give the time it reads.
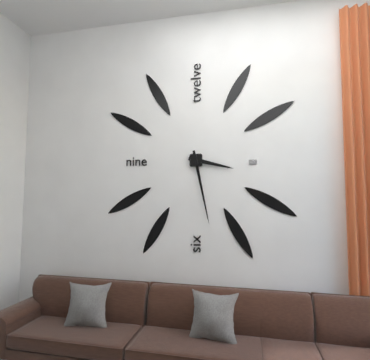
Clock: 3,28
